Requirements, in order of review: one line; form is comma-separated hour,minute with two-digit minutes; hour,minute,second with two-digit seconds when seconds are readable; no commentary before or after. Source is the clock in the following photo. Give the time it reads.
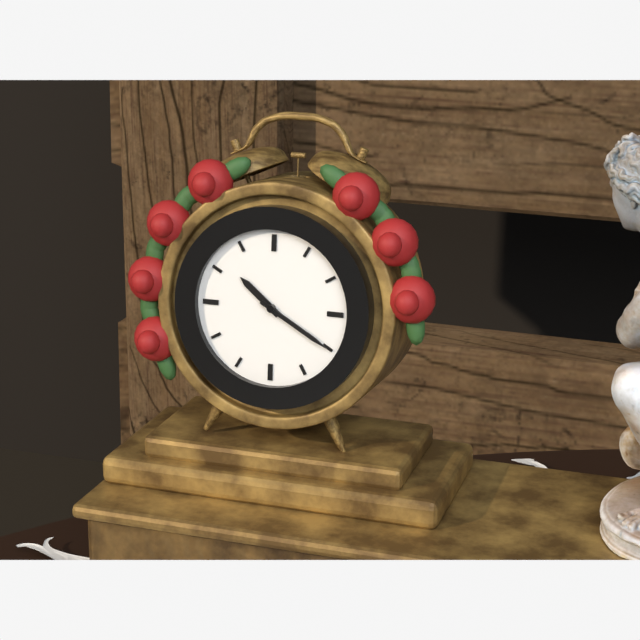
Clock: 10,20
